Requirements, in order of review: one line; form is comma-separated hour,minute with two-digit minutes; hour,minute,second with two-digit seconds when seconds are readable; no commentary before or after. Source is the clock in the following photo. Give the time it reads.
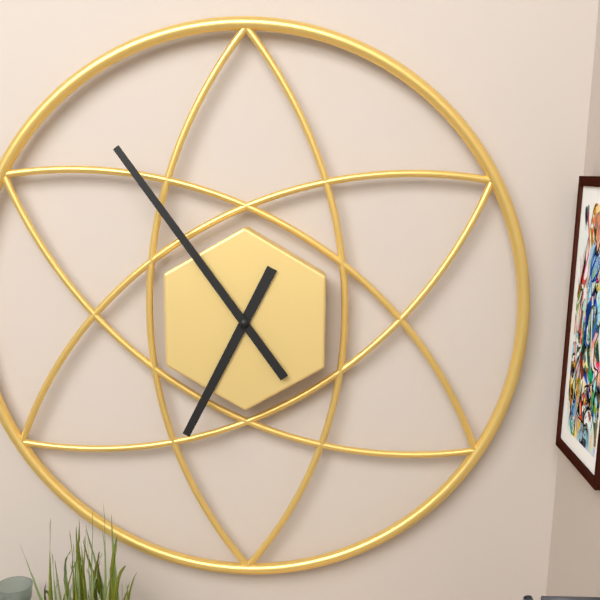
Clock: 6,54
